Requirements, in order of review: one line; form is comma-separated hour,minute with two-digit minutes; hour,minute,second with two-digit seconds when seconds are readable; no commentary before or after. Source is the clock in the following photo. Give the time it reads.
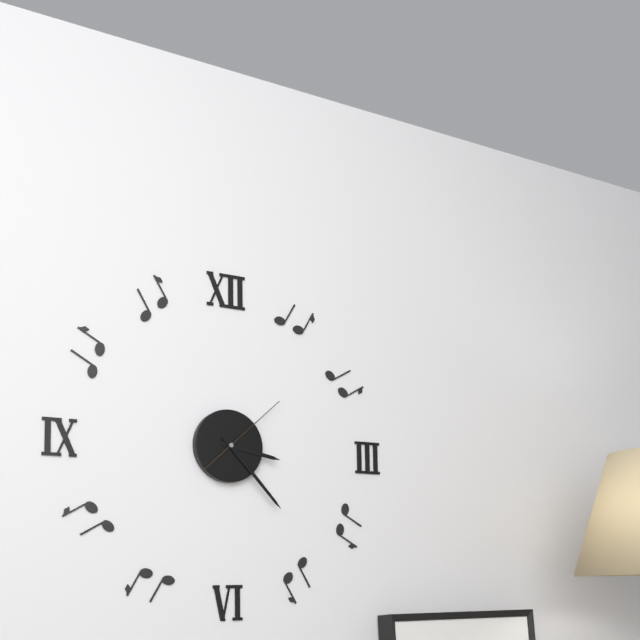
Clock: 3,23,08
